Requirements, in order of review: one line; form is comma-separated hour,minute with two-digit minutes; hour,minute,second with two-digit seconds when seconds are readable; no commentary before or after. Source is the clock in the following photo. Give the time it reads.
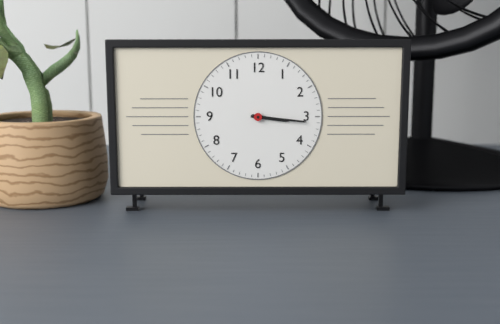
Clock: 3,16
